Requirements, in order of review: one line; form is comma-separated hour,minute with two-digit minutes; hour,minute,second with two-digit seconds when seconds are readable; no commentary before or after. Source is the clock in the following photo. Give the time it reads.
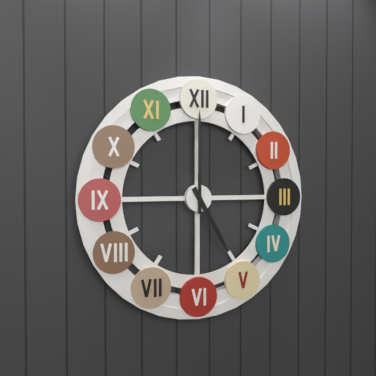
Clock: 5,00
